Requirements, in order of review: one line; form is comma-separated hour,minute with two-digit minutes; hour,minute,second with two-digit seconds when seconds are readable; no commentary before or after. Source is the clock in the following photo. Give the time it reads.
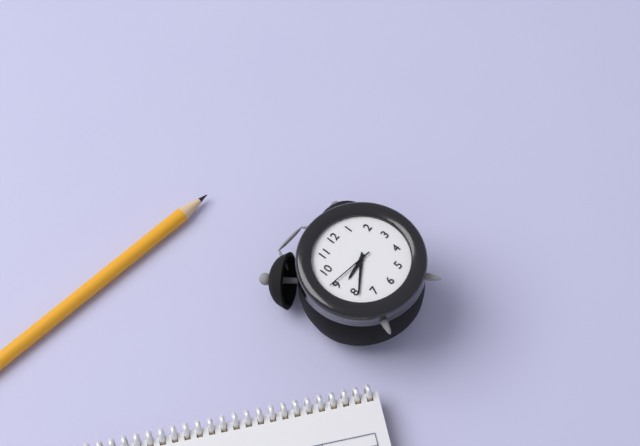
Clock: 8,39,46
